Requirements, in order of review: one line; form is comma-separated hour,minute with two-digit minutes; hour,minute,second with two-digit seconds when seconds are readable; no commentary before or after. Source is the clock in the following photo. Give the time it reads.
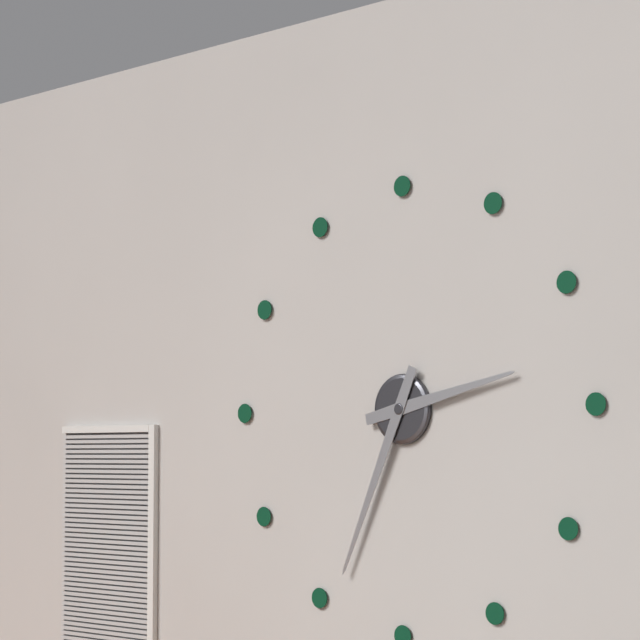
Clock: 2,34
